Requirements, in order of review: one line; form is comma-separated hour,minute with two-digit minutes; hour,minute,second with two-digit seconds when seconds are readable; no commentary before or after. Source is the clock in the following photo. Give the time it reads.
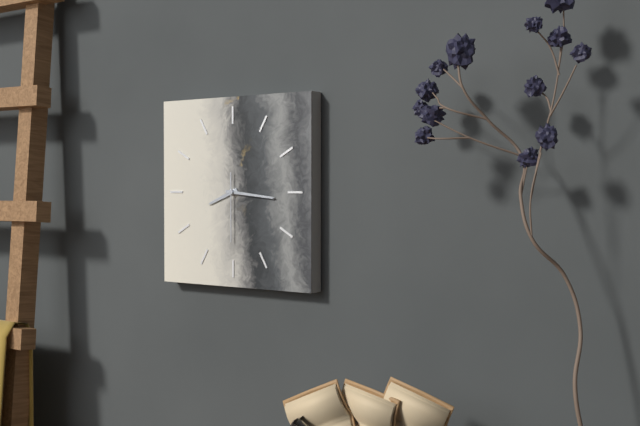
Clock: 8,16,30
